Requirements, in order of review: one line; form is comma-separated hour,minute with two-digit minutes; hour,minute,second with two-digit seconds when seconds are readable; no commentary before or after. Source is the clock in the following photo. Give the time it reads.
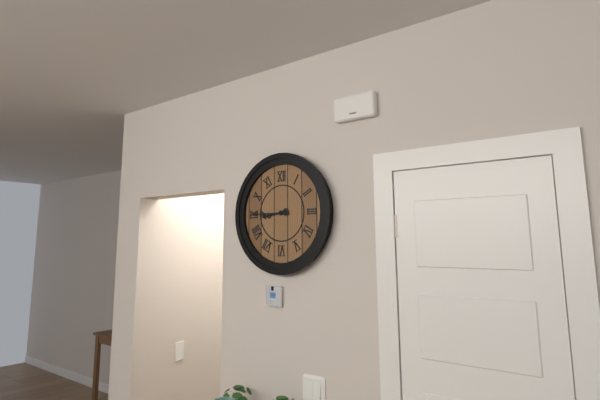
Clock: 8,45
